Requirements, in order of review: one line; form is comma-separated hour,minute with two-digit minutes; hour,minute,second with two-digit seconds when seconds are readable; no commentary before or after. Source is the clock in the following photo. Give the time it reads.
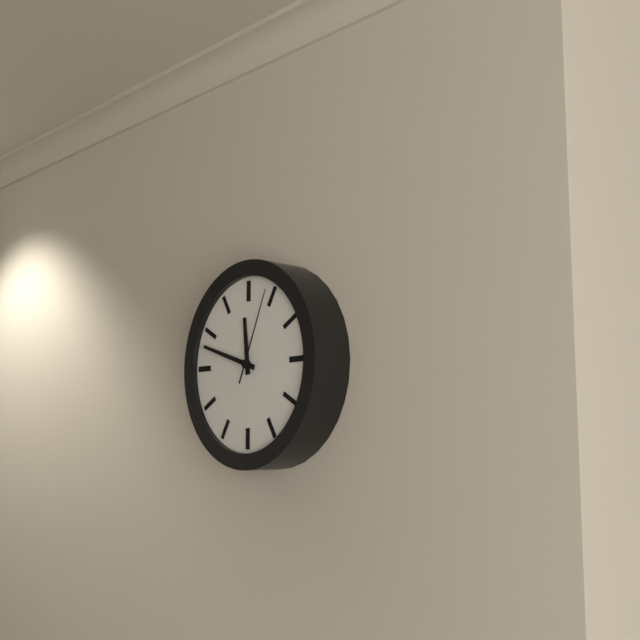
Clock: 11,48,04
